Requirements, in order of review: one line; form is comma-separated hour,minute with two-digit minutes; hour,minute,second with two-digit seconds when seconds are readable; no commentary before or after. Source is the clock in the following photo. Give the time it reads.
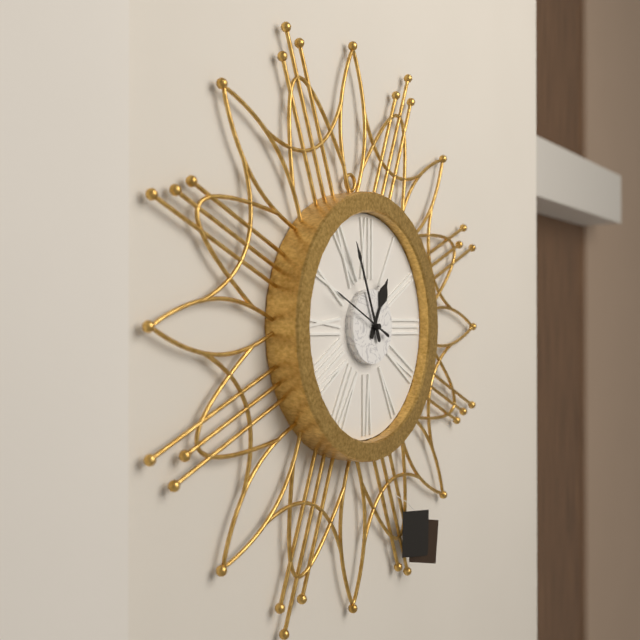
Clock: 12,56,49
